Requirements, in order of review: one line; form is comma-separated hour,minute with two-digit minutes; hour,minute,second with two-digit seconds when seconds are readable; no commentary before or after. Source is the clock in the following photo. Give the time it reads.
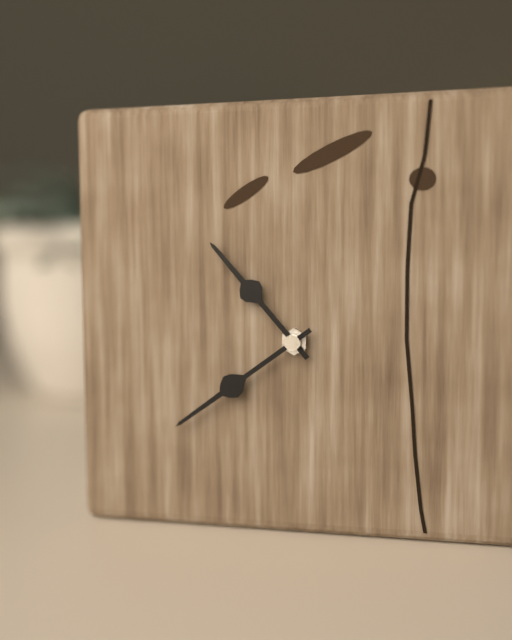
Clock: 10,39
